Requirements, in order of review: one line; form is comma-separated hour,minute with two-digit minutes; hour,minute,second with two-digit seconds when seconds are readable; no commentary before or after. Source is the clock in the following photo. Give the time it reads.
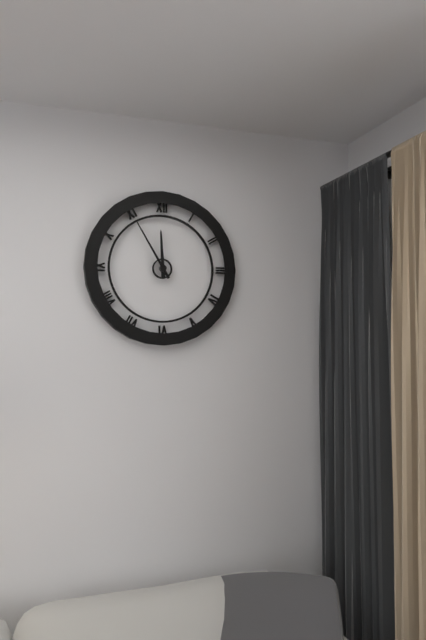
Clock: 11,55
